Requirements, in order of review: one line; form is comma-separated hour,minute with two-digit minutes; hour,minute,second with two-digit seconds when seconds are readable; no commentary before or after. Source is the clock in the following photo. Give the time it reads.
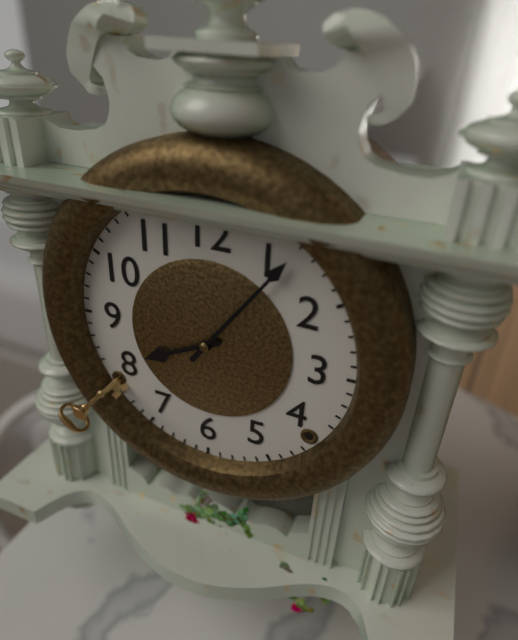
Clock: 8,06
